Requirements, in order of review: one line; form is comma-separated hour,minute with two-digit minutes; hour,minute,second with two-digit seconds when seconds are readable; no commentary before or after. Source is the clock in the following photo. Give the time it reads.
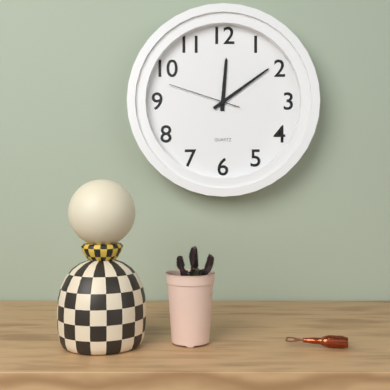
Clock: 12,09,48
